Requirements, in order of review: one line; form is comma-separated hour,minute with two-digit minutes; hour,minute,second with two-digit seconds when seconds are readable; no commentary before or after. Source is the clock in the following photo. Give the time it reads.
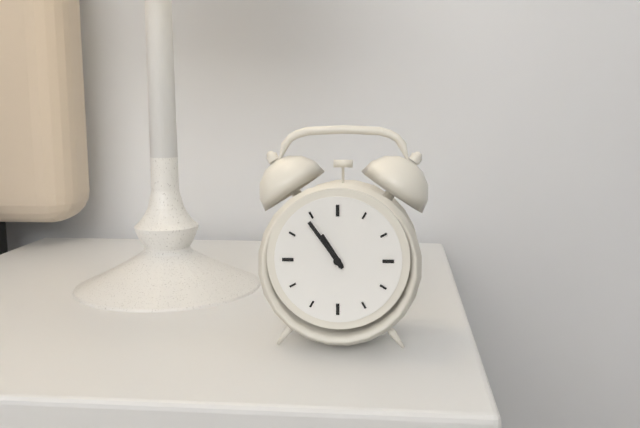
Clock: 10,54
